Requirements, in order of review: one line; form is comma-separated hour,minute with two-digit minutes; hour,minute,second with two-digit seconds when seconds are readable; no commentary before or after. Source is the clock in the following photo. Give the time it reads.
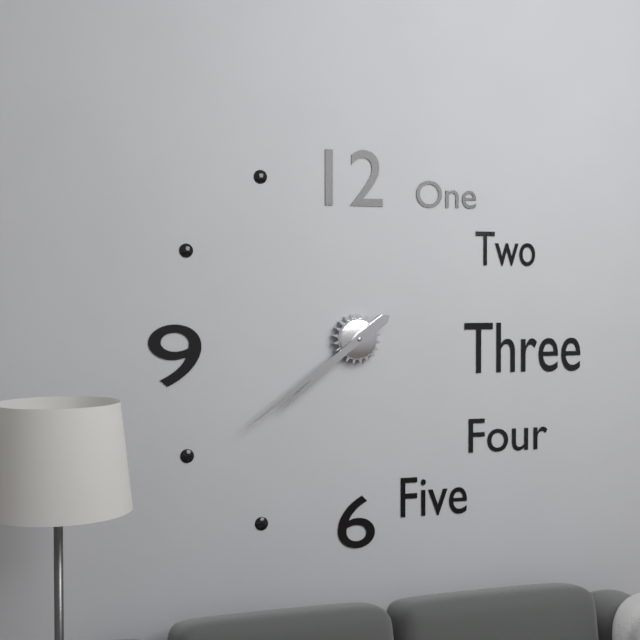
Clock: 7,39
